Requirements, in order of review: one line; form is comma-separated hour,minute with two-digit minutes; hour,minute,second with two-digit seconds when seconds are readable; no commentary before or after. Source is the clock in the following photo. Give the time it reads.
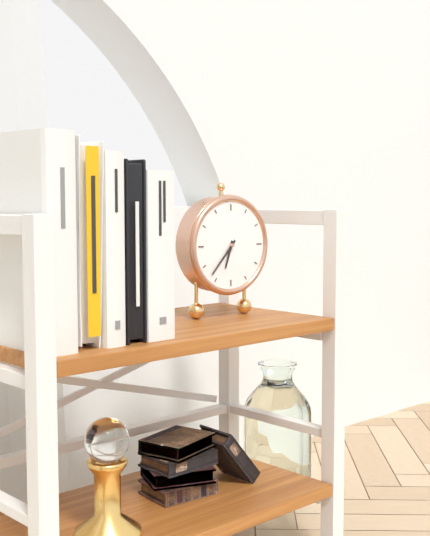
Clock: 6,37
